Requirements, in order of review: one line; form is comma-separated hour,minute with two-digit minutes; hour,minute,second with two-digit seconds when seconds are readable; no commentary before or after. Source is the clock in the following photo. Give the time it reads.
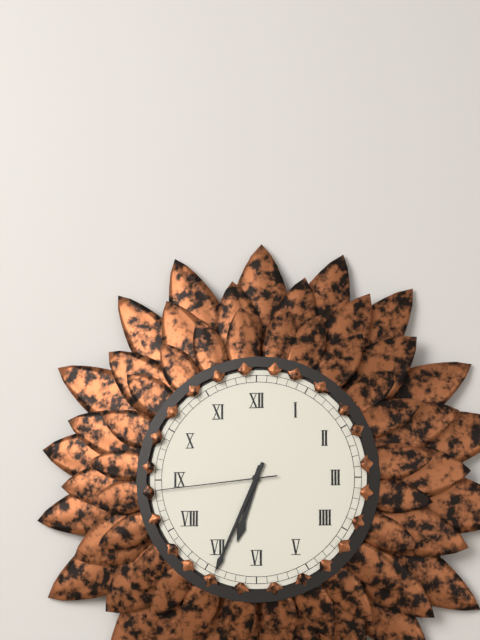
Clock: 6,34,44
